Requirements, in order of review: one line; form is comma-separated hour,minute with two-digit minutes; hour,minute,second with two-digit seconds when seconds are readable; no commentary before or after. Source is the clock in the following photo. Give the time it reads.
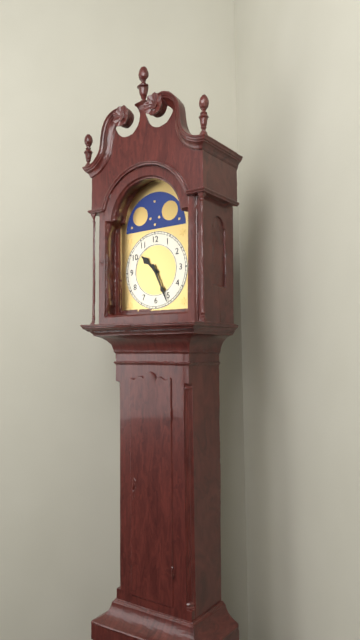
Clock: 10,26
